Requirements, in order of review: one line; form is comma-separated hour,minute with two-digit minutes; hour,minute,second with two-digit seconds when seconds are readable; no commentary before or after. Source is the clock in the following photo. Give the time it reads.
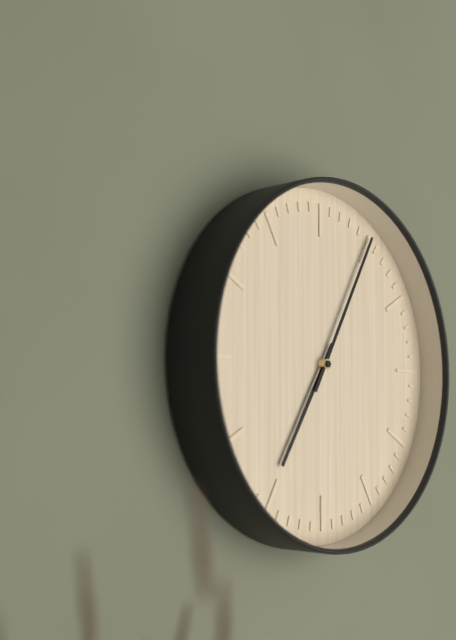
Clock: 7,05
